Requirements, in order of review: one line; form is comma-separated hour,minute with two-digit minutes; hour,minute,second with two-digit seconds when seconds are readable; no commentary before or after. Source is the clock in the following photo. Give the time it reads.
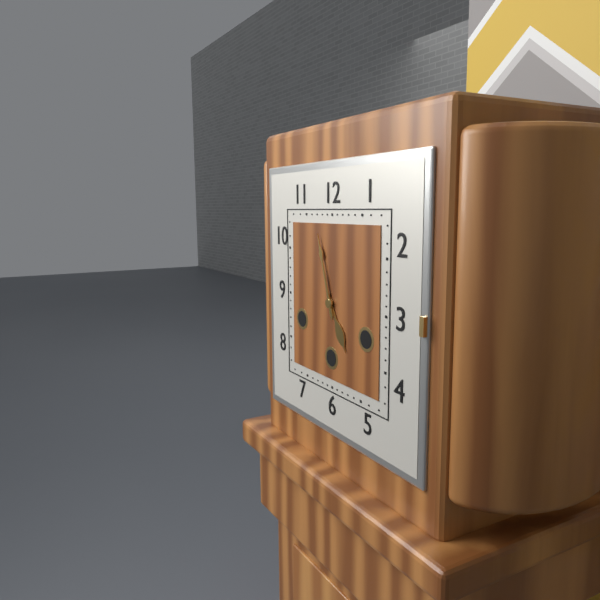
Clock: 4,57
